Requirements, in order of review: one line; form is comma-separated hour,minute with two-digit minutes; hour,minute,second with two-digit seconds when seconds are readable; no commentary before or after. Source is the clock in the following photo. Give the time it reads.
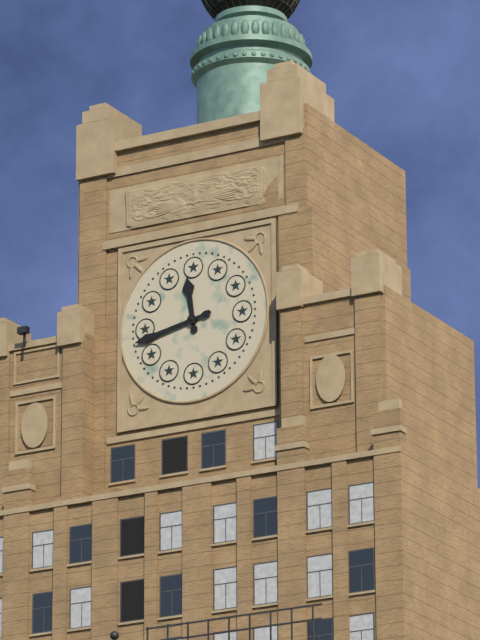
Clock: 11,43
